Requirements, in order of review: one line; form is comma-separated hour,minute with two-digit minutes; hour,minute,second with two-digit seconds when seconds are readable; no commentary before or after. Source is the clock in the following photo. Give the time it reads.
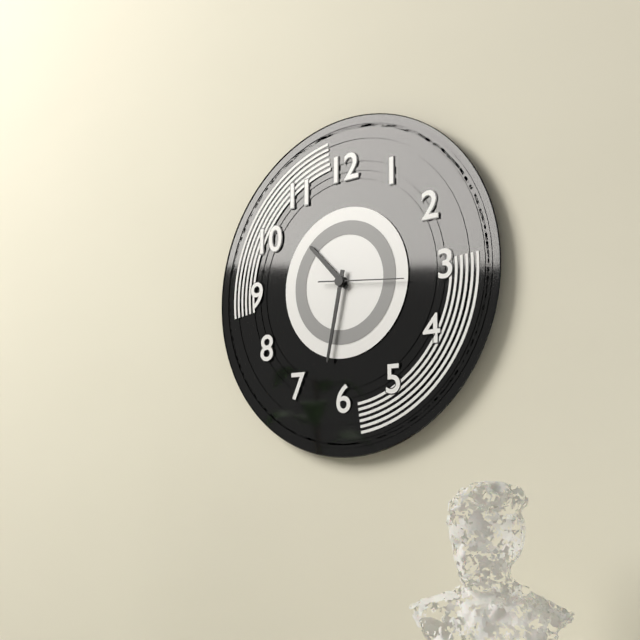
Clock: 10,32,16
